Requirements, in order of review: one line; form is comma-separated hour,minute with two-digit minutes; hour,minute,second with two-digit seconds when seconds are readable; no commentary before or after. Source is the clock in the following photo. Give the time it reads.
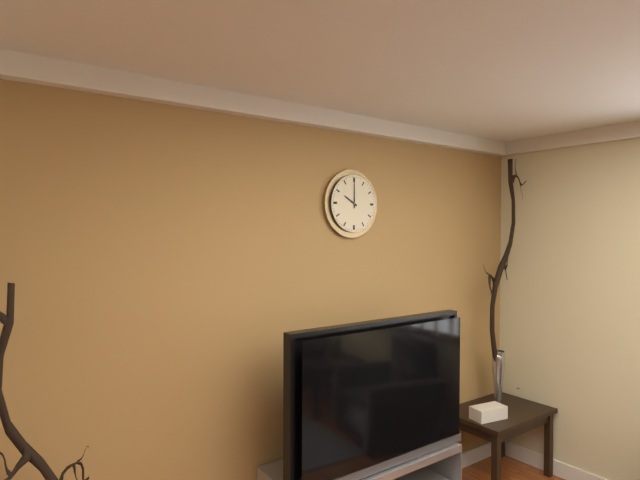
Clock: 10,00
